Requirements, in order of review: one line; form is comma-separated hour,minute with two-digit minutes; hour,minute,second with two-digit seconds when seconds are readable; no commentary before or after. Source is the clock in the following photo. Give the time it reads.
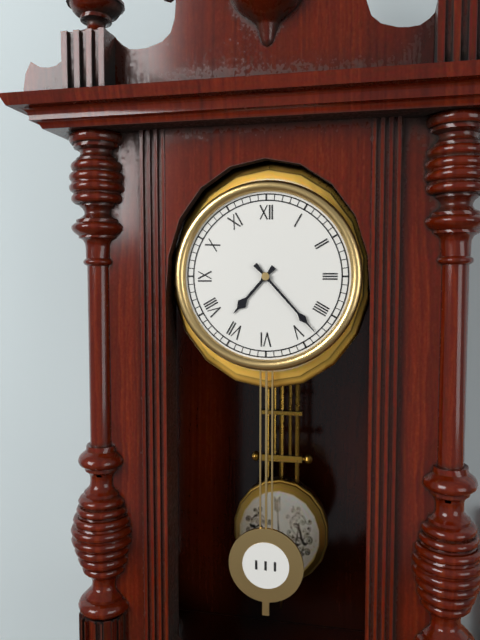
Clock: 7,23
